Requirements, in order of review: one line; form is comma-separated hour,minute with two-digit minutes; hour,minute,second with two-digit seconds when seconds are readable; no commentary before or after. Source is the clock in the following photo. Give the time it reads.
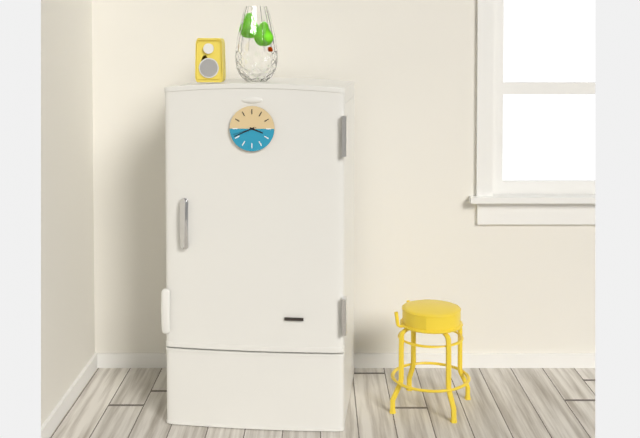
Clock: 3,41
